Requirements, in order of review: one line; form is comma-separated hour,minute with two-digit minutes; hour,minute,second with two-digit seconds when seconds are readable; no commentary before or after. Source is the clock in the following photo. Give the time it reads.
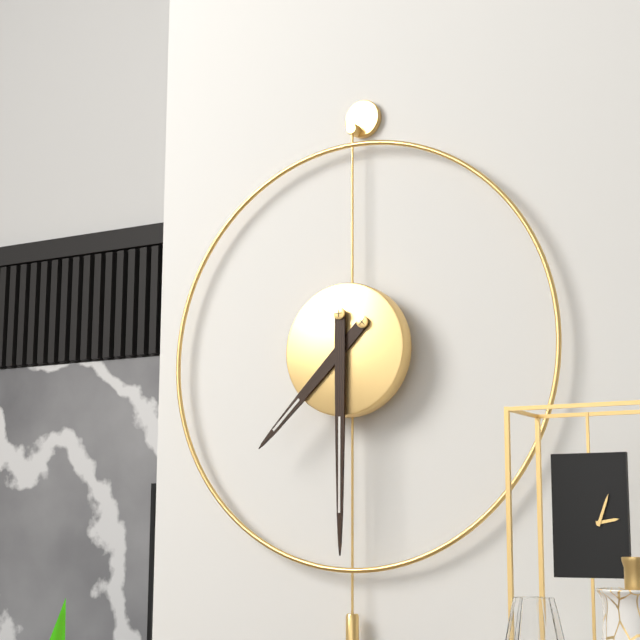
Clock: 7,30
